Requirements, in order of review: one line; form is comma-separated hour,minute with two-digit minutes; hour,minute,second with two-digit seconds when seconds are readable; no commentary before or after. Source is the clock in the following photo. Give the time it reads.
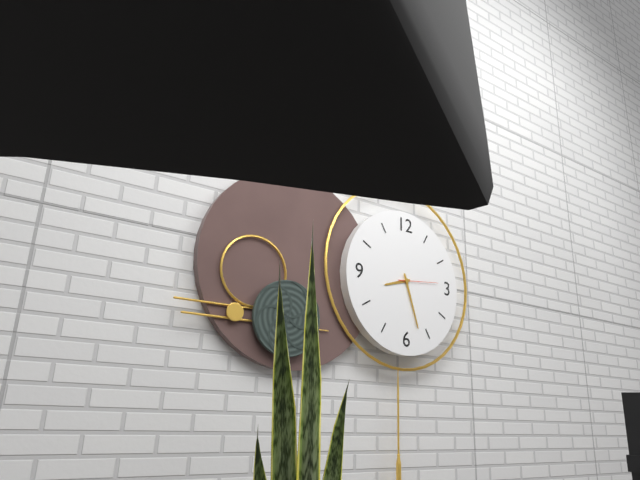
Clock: 8,27
